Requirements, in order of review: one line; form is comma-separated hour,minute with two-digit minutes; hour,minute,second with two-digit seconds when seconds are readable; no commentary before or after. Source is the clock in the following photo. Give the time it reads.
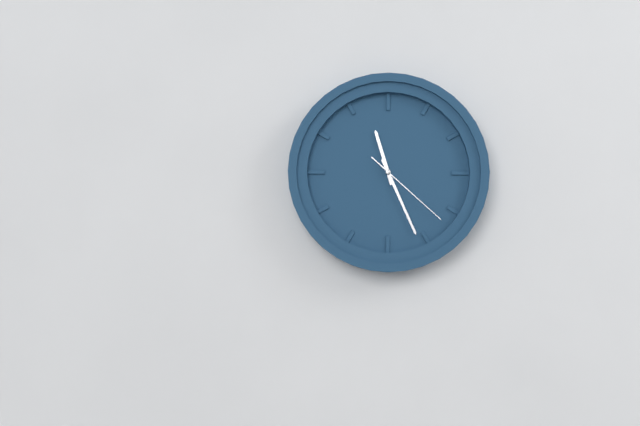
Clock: 11,26,22
